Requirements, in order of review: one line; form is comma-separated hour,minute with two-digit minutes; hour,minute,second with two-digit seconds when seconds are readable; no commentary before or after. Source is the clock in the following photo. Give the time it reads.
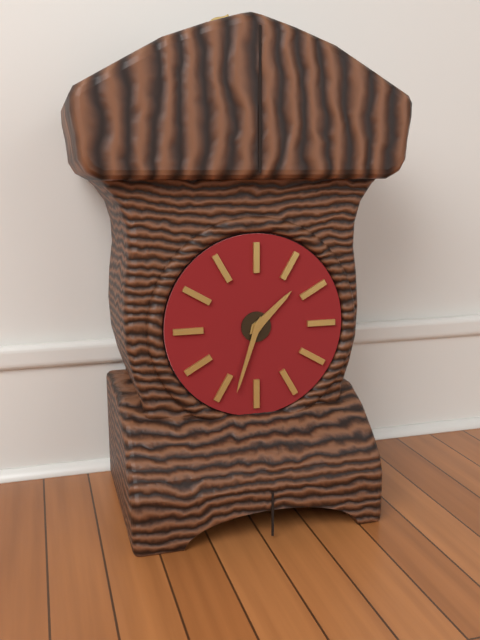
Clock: 1,33
